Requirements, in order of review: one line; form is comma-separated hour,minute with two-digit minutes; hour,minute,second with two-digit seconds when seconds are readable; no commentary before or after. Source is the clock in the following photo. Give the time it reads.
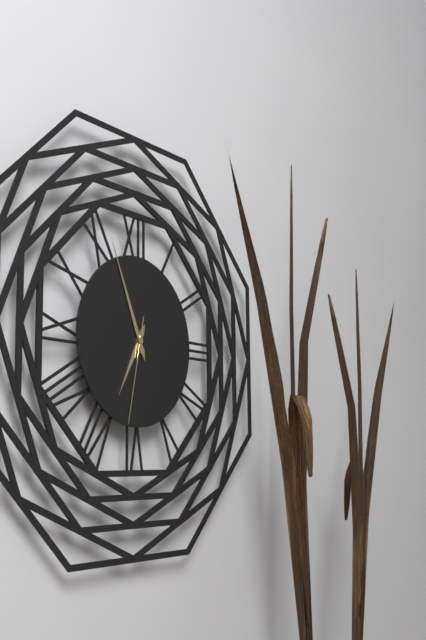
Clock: 6,56,32
